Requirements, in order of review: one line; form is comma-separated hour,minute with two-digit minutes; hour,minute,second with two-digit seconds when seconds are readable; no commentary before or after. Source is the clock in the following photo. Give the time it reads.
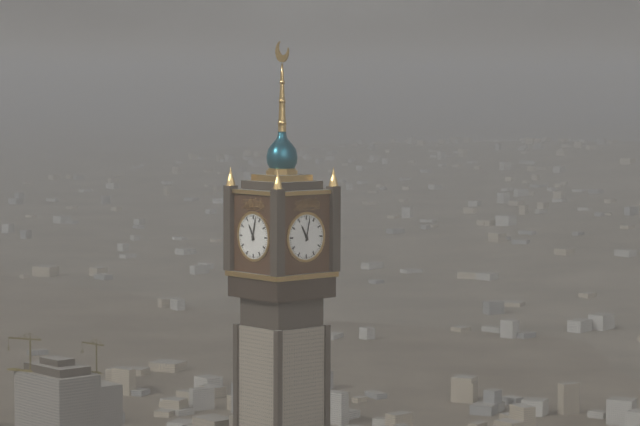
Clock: 11,02
